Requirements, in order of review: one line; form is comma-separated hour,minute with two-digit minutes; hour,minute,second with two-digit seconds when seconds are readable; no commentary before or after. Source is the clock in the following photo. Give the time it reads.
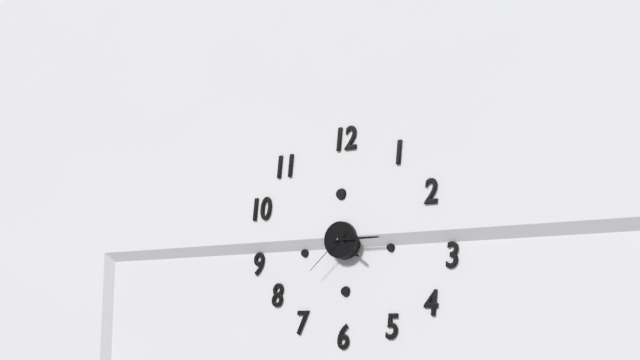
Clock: 4,15,38
